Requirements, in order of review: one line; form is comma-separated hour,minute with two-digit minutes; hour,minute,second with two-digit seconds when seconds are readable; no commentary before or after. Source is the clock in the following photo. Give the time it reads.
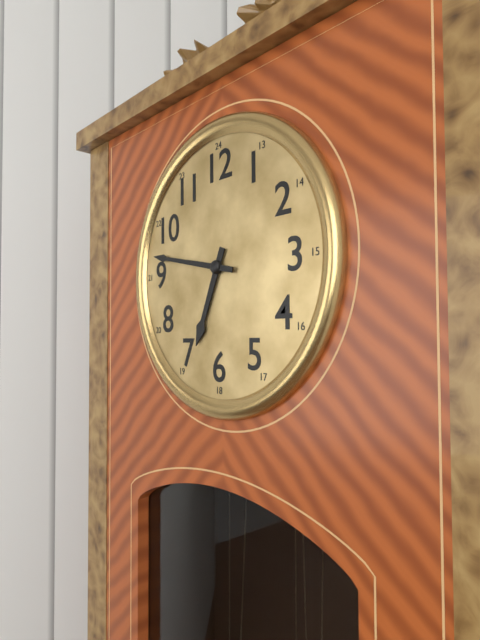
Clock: 6,47
